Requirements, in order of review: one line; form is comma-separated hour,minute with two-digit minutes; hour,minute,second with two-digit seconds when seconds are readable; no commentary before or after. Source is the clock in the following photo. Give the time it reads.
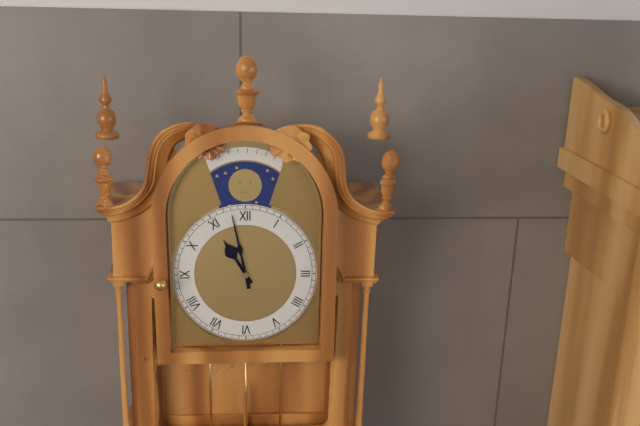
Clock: 10,58
